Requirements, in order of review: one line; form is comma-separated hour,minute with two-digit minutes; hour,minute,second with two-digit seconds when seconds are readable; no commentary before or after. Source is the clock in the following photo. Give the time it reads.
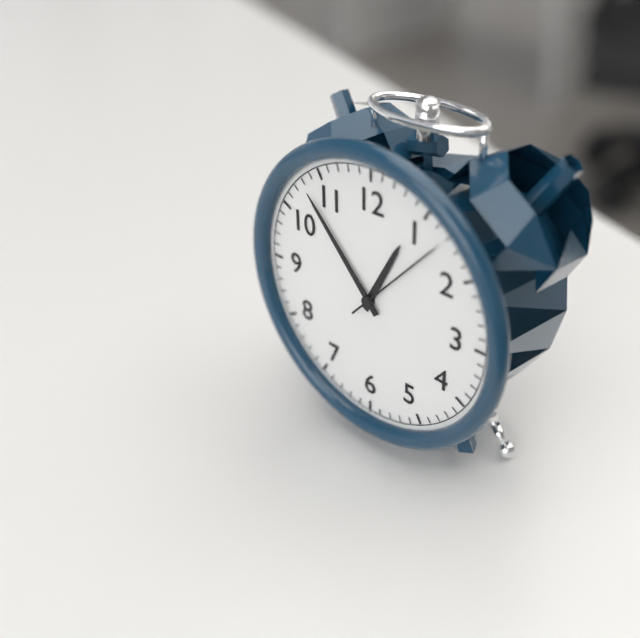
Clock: 12,53,07
